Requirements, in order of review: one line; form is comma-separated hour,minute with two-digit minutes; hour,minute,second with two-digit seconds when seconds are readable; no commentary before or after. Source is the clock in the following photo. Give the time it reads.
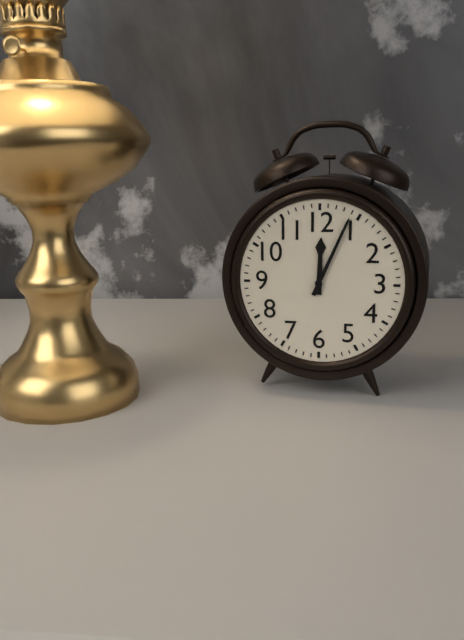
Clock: 12,04
